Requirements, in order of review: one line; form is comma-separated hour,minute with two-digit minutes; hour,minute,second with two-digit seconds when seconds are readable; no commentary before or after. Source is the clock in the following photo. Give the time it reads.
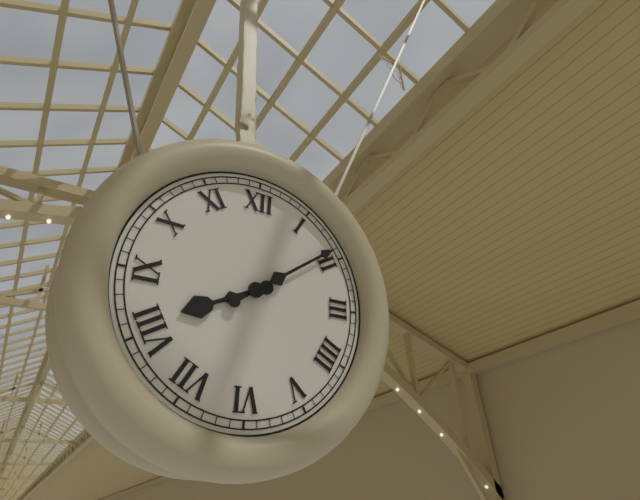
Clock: 8,09
